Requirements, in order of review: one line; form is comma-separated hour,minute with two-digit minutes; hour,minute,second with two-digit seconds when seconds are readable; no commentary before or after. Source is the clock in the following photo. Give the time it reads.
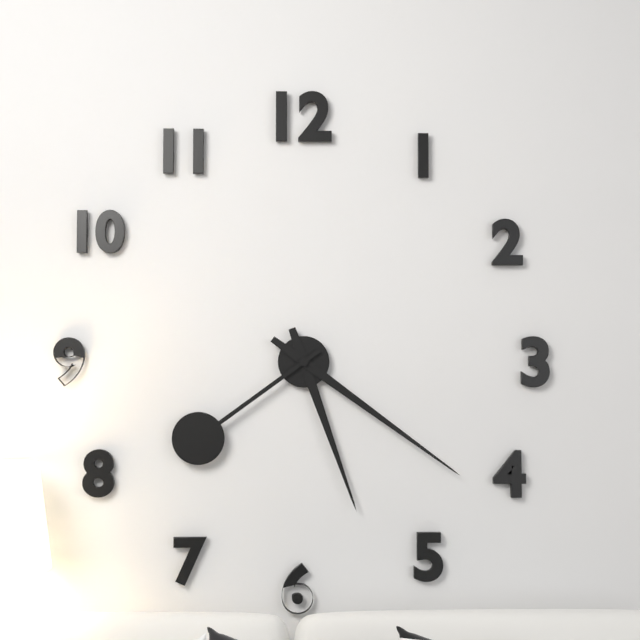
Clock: 5,21,39
